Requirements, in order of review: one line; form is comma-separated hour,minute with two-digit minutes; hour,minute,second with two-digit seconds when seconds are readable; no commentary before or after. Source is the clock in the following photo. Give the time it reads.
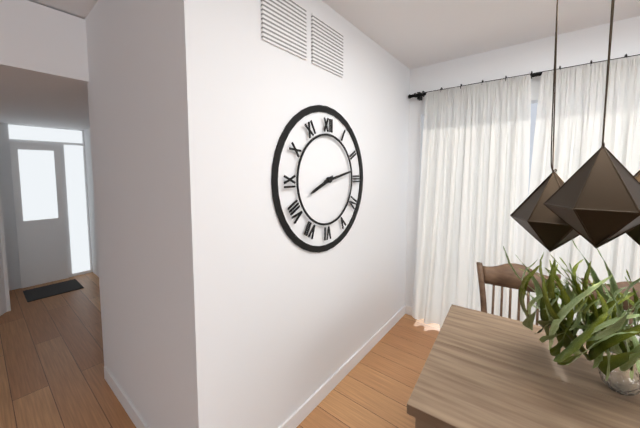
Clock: 8,13
